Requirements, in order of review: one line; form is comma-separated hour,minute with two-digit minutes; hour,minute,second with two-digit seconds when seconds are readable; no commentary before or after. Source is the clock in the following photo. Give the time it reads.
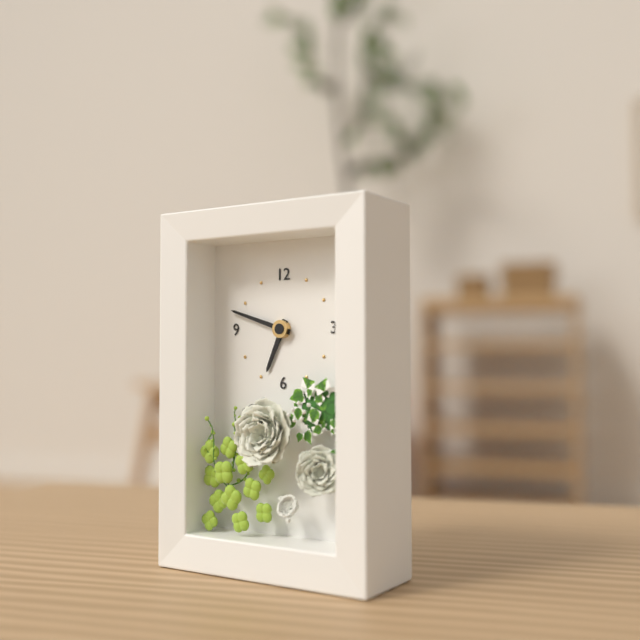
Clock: 6,48
